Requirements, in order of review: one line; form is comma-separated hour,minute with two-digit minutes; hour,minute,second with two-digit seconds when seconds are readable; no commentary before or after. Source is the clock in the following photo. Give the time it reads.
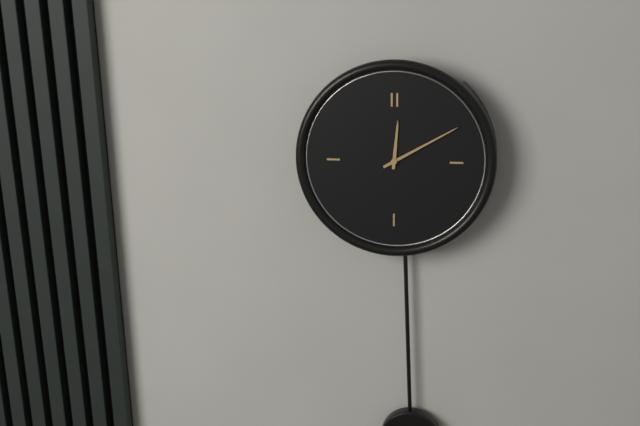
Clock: 12,10
